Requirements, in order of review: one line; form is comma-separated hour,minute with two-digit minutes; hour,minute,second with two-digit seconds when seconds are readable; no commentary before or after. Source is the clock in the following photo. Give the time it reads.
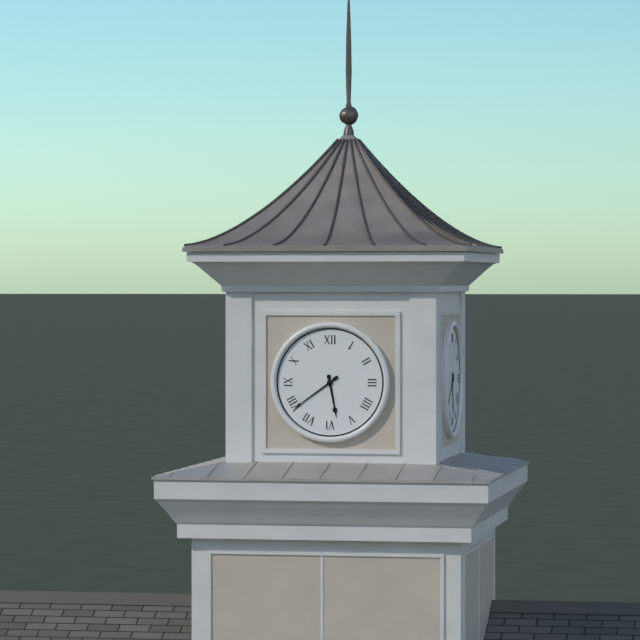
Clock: 5,39
